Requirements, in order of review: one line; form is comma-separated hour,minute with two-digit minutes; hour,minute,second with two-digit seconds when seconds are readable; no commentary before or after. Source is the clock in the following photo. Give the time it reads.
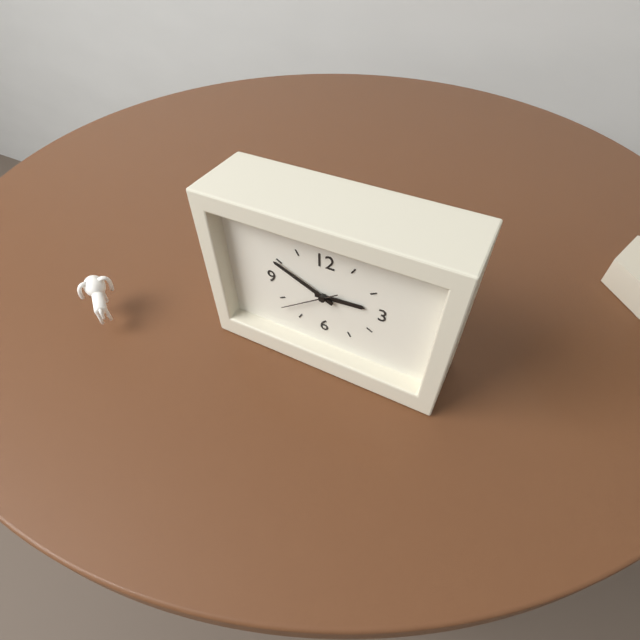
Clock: 2,49,39
